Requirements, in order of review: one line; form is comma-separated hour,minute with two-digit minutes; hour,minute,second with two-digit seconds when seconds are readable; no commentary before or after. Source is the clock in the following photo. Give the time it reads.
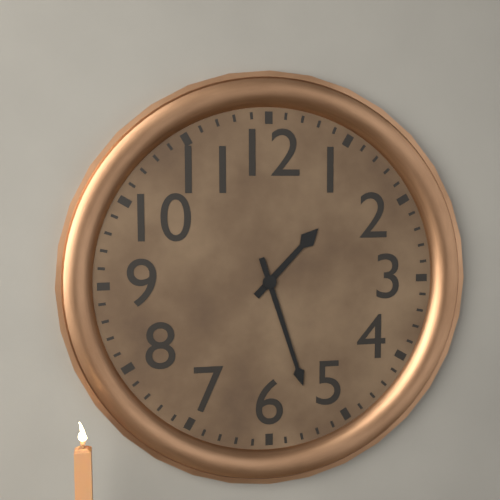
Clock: 1,27
